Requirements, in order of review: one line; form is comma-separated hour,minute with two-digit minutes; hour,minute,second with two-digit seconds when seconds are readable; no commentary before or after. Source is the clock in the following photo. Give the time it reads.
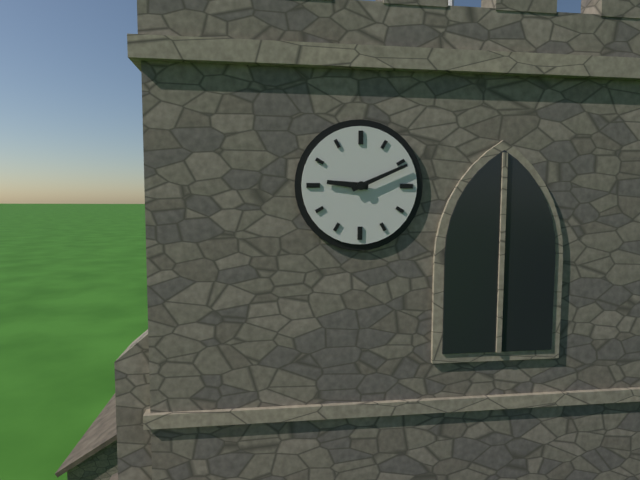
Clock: 9,11
